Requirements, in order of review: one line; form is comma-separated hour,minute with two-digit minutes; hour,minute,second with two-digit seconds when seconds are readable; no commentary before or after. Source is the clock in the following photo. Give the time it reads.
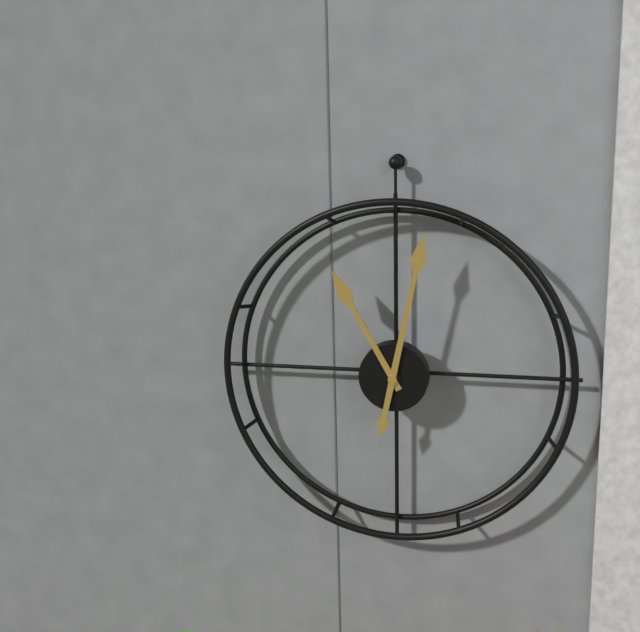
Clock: 11,02
